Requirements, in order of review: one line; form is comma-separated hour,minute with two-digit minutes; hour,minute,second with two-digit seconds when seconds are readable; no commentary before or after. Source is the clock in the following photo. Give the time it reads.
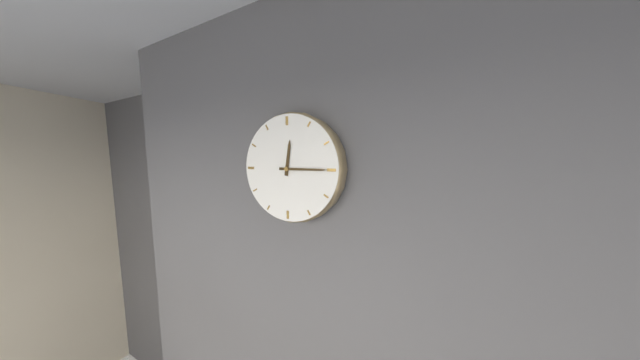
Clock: 12,15
